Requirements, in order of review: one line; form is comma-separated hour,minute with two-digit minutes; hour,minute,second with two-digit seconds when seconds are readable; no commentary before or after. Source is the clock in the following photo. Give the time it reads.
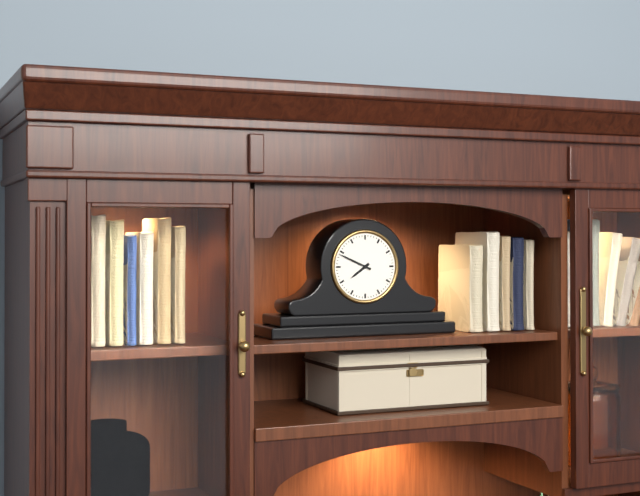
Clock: 7,49
